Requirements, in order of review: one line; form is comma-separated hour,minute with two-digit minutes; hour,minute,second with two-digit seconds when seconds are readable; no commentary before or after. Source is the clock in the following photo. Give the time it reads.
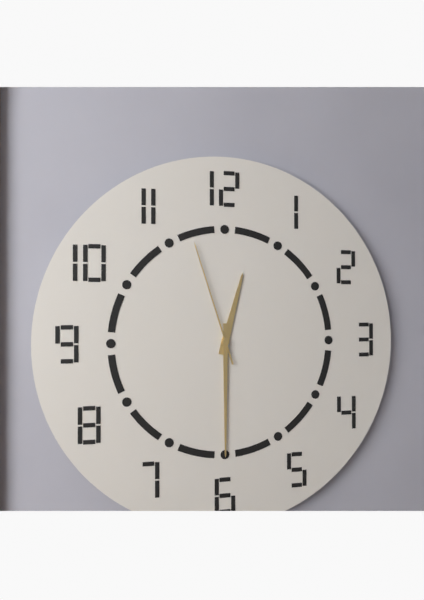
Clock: 12,30,57
